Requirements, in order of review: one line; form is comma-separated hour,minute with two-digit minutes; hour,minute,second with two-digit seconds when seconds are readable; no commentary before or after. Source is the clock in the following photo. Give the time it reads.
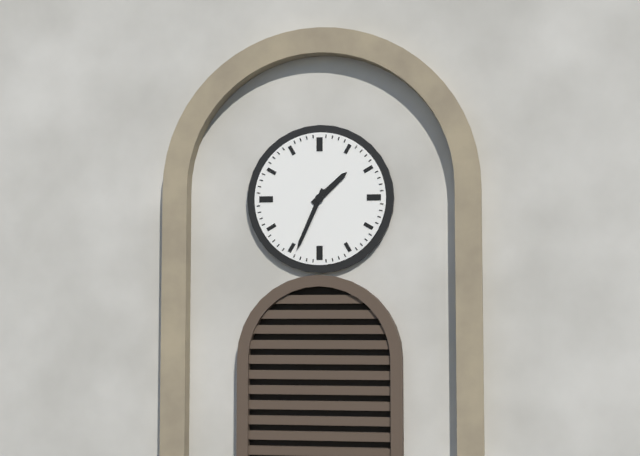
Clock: 1,34
